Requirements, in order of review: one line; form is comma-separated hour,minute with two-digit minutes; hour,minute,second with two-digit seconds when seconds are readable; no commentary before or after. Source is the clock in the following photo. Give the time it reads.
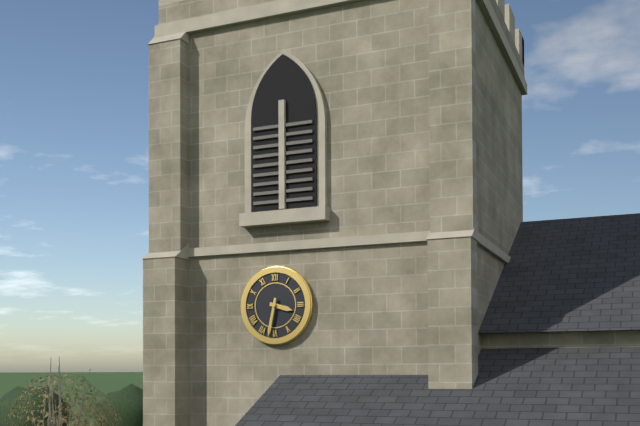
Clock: 3,32
